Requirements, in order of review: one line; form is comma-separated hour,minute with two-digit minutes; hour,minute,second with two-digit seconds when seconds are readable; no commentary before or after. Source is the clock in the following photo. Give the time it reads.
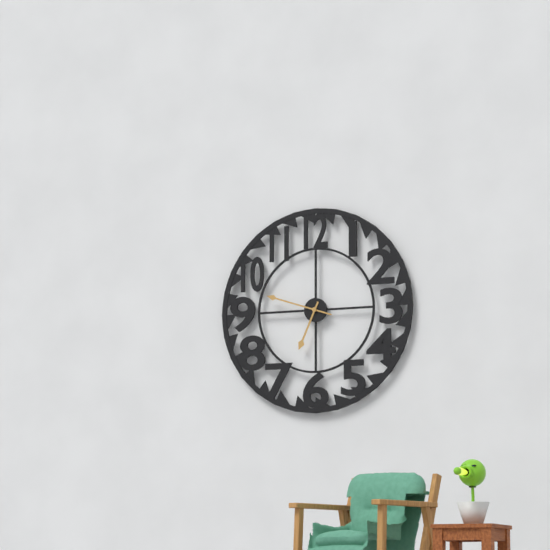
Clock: 6,48
